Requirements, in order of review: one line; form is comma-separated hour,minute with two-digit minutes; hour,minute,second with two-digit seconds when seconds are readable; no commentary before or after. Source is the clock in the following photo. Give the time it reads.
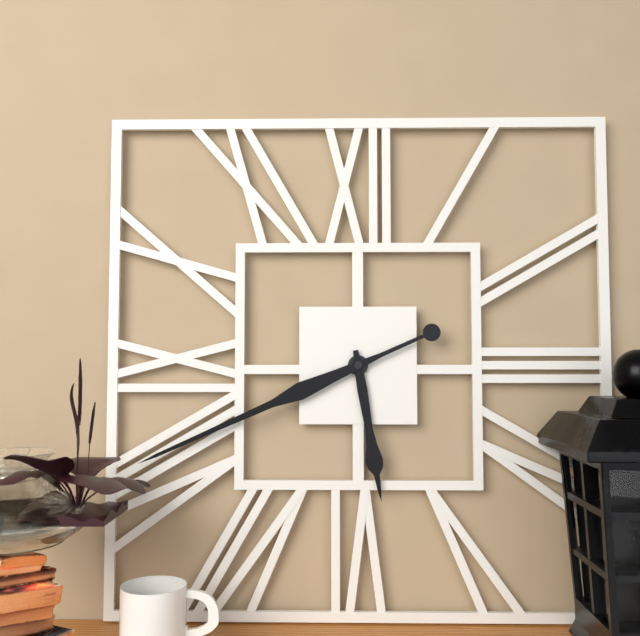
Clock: 5,41
